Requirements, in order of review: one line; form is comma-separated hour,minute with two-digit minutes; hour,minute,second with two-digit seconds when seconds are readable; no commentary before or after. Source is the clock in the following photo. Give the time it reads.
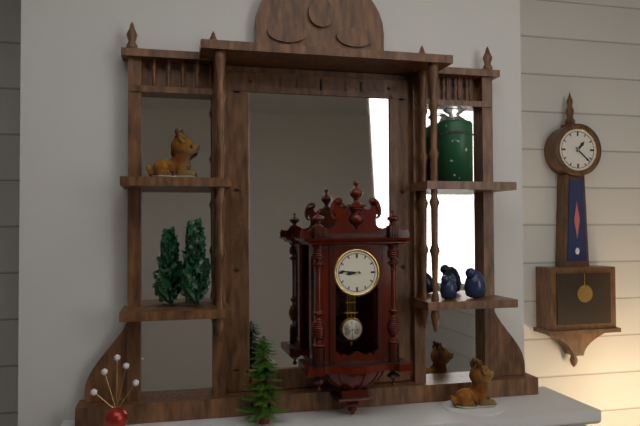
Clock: 8,46
